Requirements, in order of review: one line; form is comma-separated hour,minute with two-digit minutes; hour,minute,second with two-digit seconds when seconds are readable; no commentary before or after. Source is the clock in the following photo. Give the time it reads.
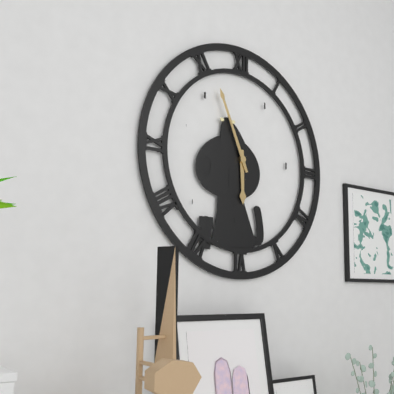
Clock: 5,56
